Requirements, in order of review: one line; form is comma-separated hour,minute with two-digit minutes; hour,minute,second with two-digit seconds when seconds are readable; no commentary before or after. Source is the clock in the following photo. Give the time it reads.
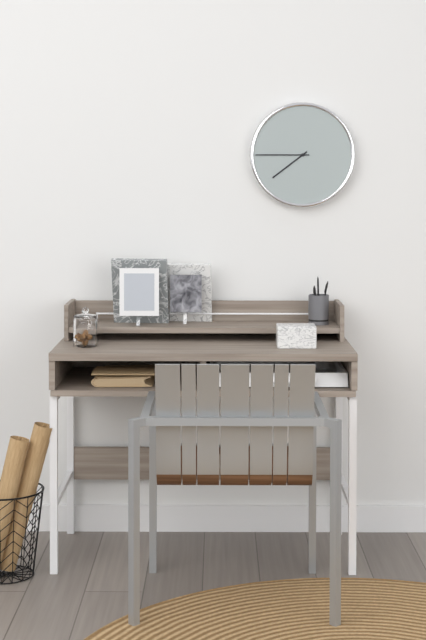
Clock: 7,45
